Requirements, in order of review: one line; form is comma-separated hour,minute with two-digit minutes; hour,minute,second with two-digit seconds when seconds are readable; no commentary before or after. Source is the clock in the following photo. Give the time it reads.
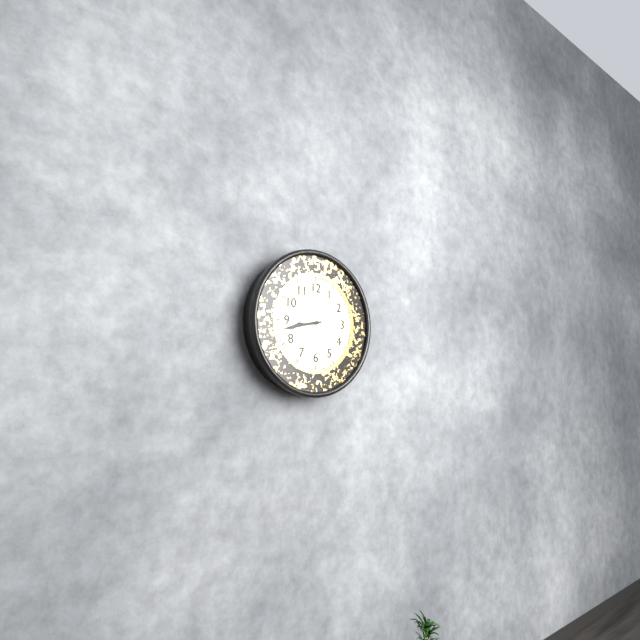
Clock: 8,43
